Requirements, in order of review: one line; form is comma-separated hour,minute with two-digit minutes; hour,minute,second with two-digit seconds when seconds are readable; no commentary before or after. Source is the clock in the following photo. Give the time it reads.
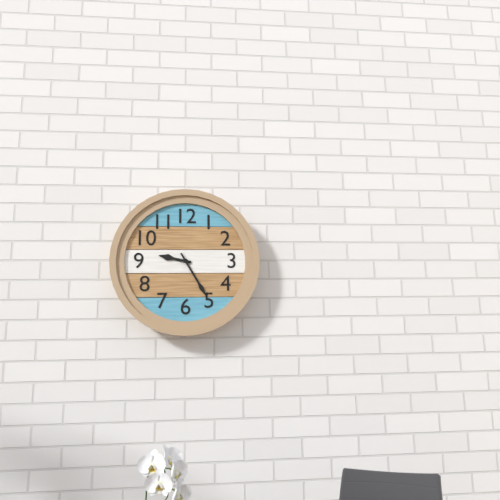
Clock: 9,25
